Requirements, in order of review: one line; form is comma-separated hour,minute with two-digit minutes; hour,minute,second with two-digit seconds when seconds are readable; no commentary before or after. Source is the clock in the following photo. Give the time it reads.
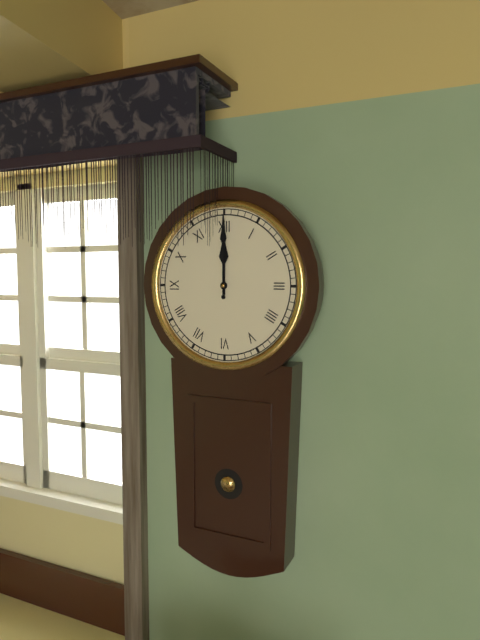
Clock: 12,00
